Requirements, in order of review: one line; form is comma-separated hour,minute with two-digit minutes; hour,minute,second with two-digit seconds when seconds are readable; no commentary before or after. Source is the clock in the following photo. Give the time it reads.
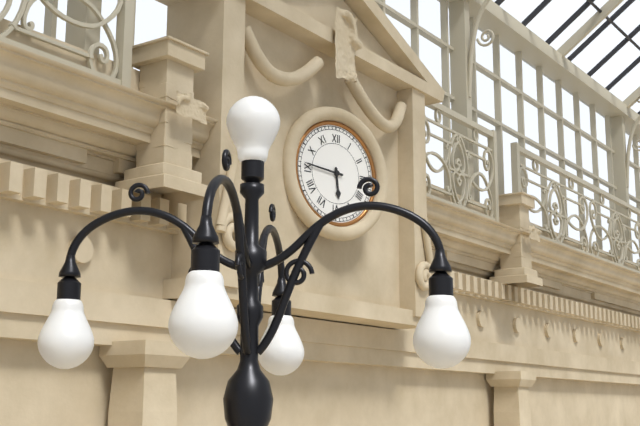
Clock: 5,46
